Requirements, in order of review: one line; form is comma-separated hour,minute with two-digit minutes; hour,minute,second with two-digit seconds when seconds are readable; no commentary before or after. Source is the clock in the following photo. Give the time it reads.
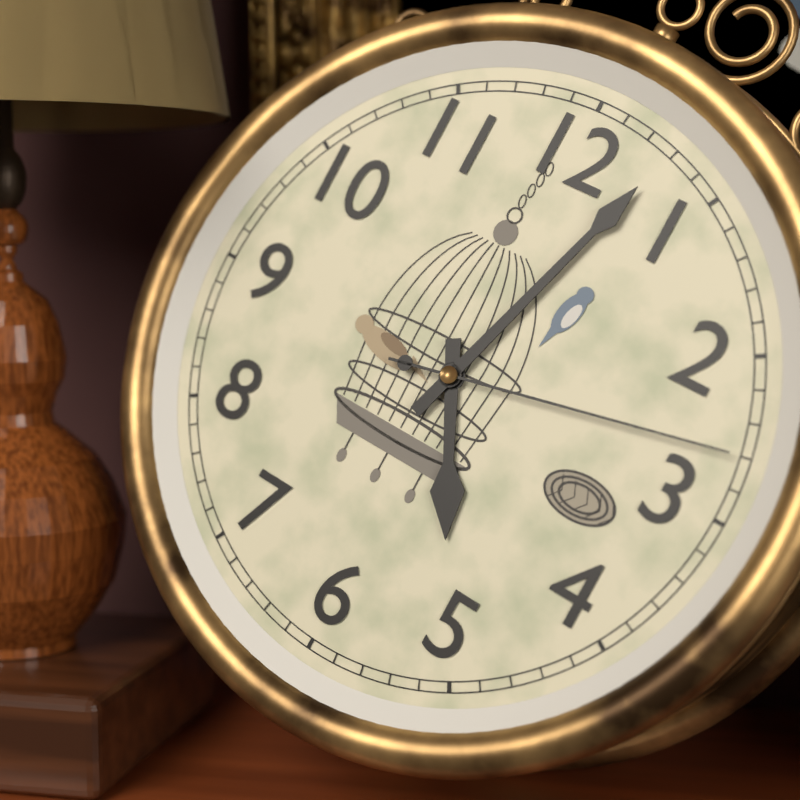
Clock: 5,03,13
